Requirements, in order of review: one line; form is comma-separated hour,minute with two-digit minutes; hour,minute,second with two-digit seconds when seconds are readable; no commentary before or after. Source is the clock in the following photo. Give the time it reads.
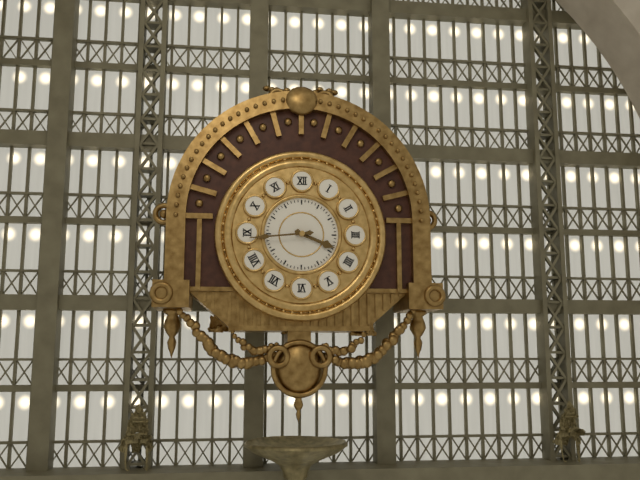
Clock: 3,44
